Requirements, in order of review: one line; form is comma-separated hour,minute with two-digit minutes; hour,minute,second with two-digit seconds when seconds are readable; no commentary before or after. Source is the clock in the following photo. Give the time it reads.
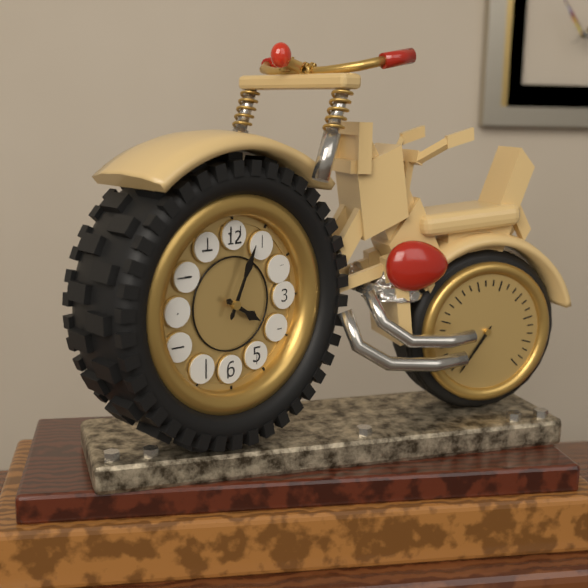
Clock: 4,04
